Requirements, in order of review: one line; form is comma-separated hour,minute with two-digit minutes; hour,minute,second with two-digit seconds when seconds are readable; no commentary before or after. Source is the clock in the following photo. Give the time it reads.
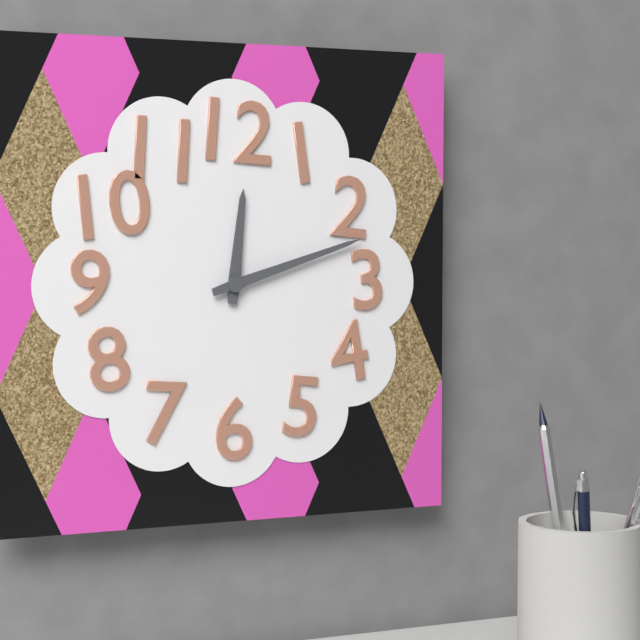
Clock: 12,12
